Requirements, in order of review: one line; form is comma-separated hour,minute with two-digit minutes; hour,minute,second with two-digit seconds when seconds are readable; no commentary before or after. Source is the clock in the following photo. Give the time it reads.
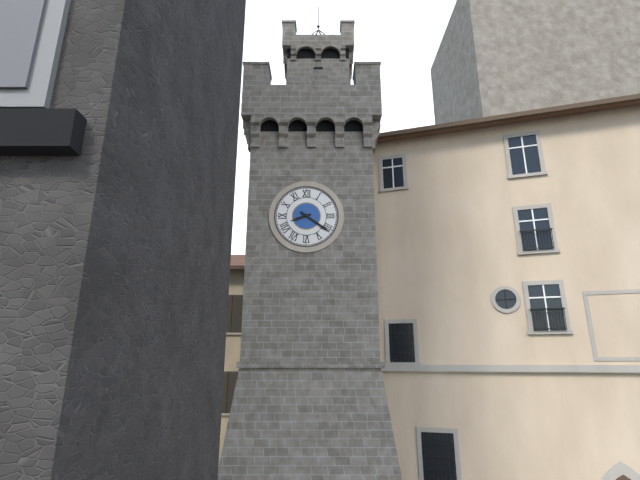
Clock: 8,21
